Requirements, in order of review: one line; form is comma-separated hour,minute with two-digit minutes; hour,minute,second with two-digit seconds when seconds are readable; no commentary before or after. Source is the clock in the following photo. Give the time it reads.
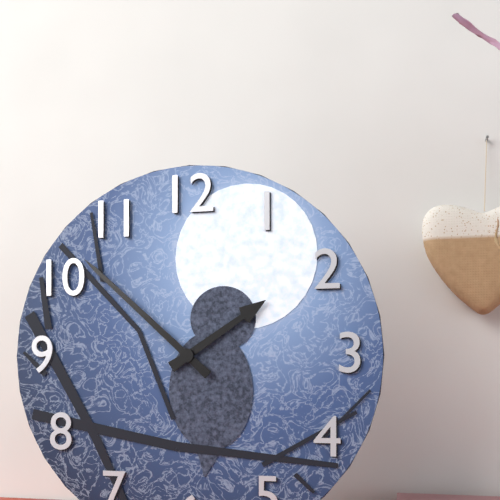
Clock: 1,52
